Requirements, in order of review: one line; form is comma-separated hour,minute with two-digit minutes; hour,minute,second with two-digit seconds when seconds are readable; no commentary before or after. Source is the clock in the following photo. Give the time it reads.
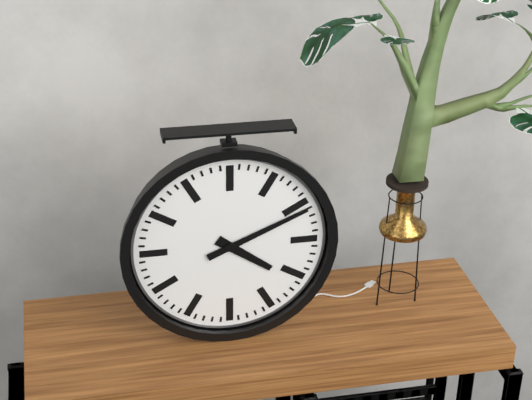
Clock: 4,11
